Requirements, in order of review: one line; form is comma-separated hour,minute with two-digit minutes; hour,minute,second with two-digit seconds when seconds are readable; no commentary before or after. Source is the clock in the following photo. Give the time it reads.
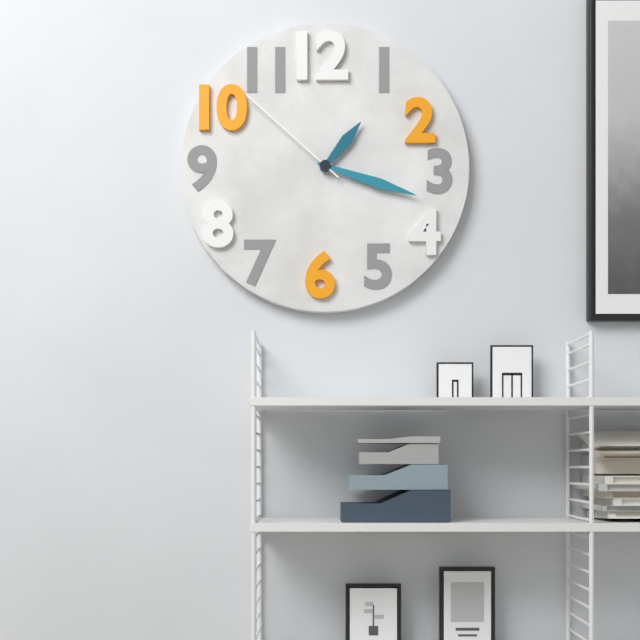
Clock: 1,18,52
